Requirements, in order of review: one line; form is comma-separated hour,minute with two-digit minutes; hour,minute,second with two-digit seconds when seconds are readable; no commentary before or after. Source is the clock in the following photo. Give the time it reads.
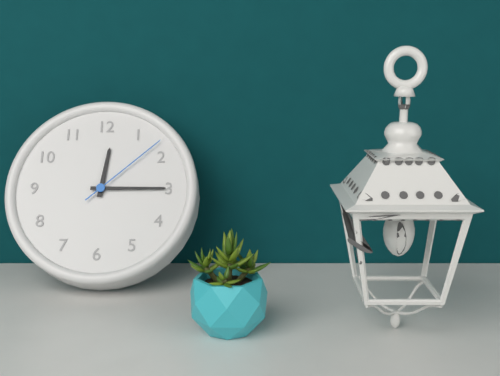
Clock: 12,15,08
